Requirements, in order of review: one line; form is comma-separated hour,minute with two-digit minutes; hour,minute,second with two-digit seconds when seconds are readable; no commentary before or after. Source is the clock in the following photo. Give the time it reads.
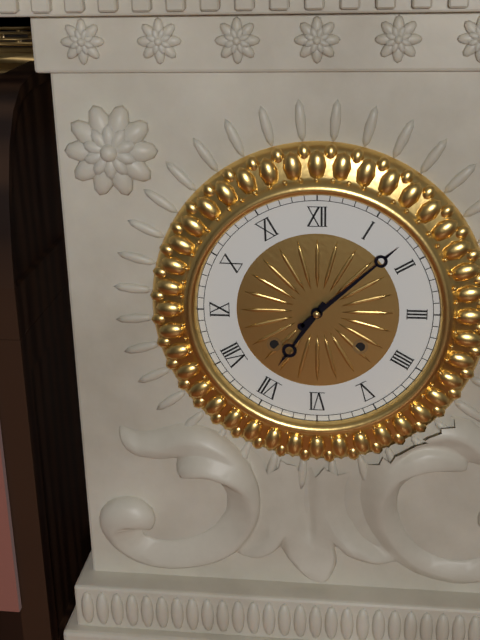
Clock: 7,08
